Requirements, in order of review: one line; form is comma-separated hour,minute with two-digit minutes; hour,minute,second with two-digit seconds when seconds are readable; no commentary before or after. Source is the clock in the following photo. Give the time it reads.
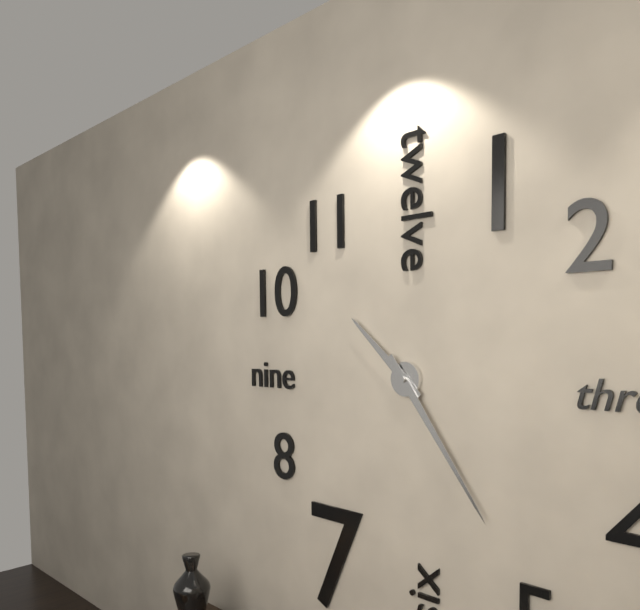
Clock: 10,24
